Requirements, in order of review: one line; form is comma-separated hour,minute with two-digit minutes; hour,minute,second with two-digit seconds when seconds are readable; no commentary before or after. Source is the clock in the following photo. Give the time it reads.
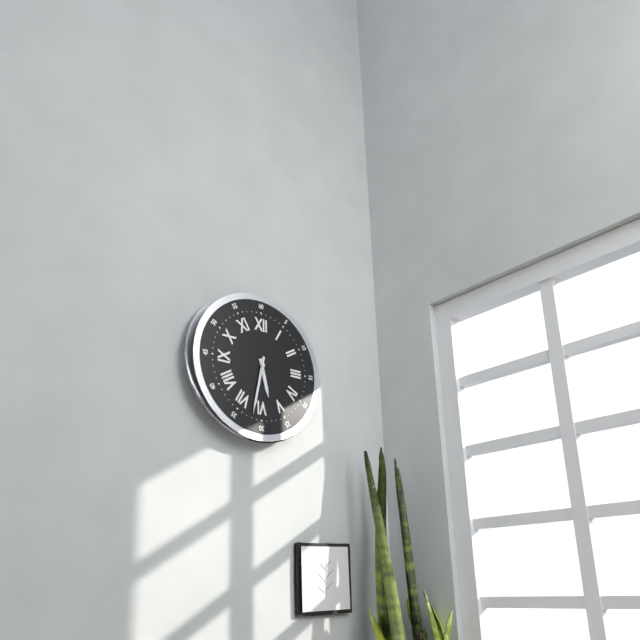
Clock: 5,32
